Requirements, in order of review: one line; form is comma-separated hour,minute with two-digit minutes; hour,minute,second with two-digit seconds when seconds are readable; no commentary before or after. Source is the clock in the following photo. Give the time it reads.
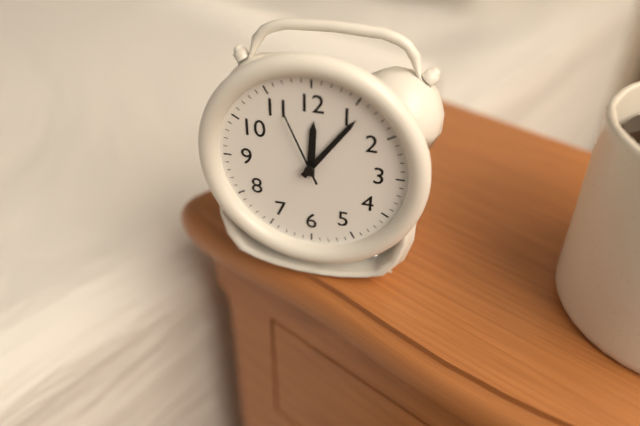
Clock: 12,06,56
